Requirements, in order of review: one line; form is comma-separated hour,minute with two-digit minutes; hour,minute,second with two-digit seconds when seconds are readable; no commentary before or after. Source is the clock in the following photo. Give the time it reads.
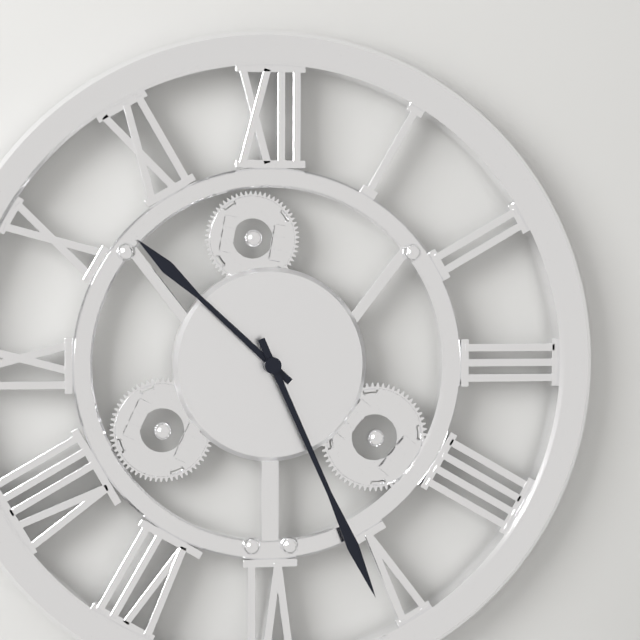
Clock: 10,26
